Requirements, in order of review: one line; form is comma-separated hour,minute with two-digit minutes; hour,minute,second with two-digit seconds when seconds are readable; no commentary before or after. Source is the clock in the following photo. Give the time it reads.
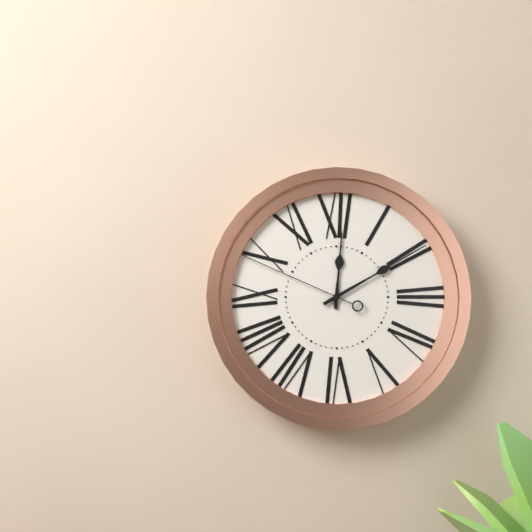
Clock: 12,10,49
